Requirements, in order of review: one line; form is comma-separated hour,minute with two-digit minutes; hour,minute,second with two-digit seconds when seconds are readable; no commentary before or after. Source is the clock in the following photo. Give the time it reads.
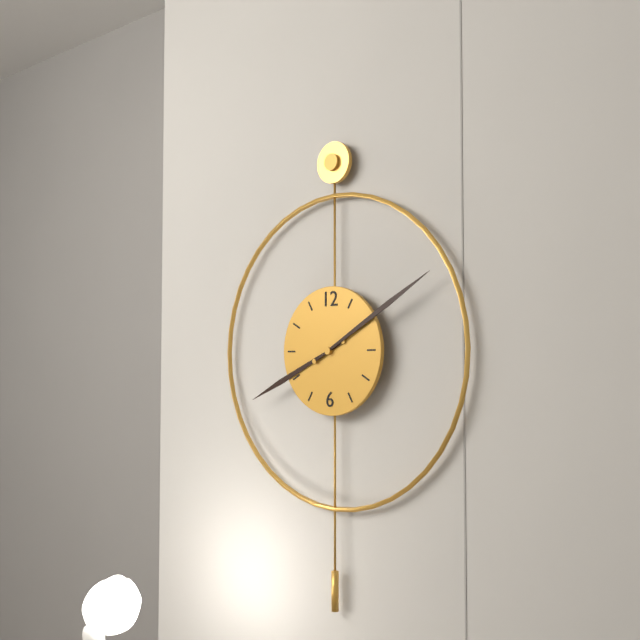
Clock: 8,10
